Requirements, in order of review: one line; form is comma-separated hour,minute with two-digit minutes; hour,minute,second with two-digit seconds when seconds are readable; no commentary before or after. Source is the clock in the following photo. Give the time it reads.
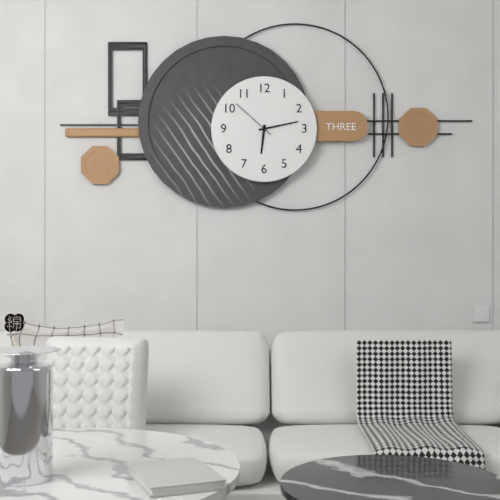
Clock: 6,13
